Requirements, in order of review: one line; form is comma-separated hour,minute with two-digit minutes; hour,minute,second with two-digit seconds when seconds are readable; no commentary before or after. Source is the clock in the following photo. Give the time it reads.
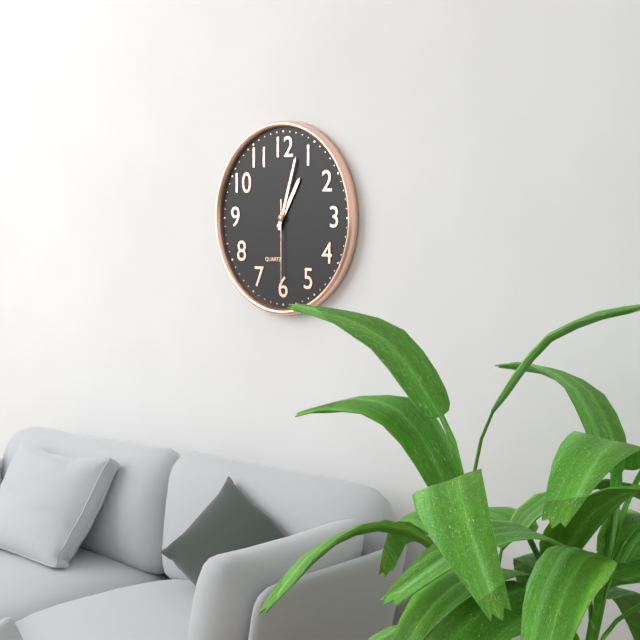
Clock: 1,03,30
